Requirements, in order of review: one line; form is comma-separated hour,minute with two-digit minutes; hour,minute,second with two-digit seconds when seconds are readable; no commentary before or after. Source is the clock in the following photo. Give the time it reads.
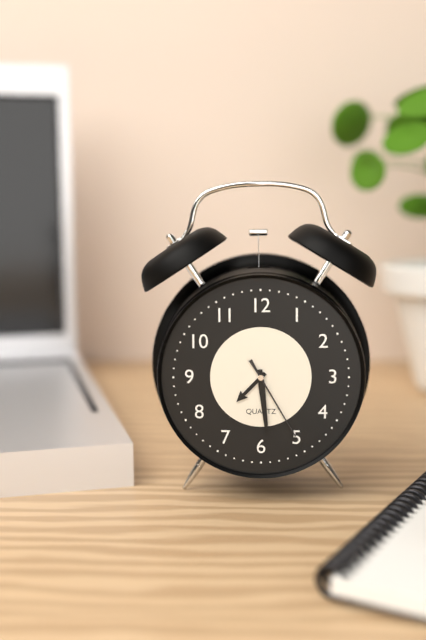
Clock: 7,29,25
